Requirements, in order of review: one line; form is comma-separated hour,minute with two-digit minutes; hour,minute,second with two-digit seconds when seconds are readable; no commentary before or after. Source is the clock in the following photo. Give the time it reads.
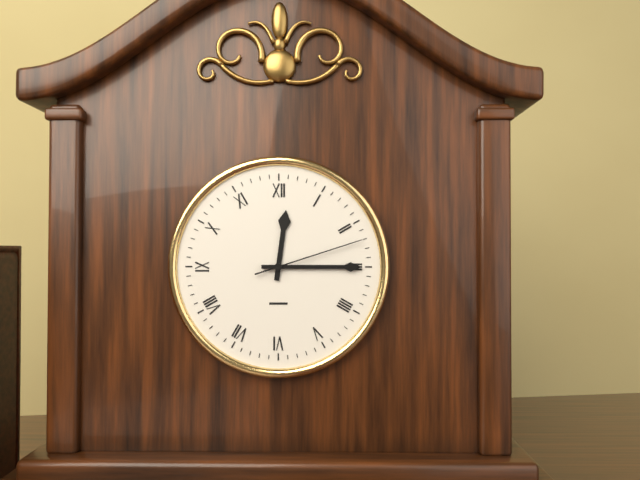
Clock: 12,15,12
